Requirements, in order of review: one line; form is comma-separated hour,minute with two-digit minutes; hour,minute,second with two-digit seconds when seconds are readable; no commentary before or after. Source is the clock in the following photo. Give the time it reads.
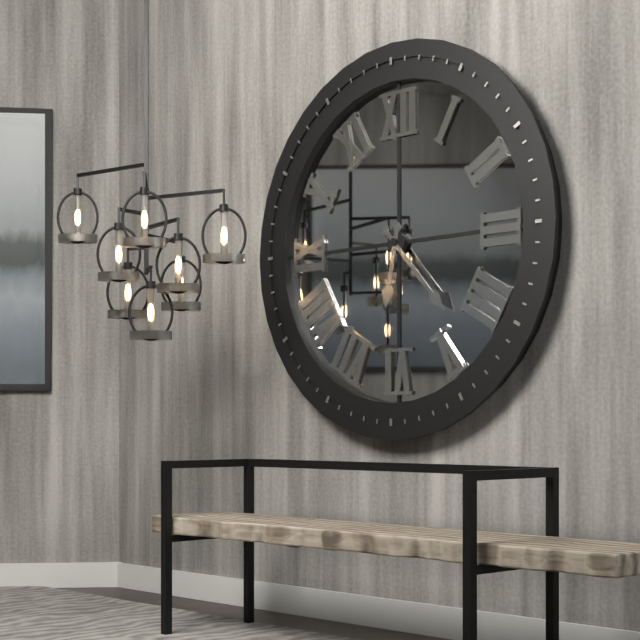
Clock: 6,23
